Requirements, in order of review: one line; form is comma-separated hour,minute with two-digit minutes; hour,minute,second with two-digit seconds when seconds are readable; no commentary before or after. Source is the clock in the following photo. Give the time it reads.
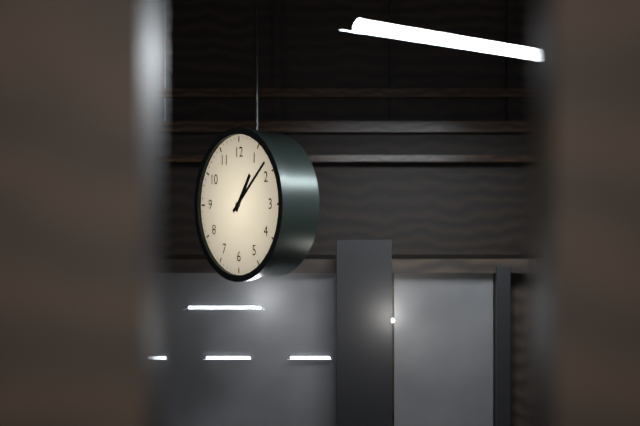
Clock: 1,08
